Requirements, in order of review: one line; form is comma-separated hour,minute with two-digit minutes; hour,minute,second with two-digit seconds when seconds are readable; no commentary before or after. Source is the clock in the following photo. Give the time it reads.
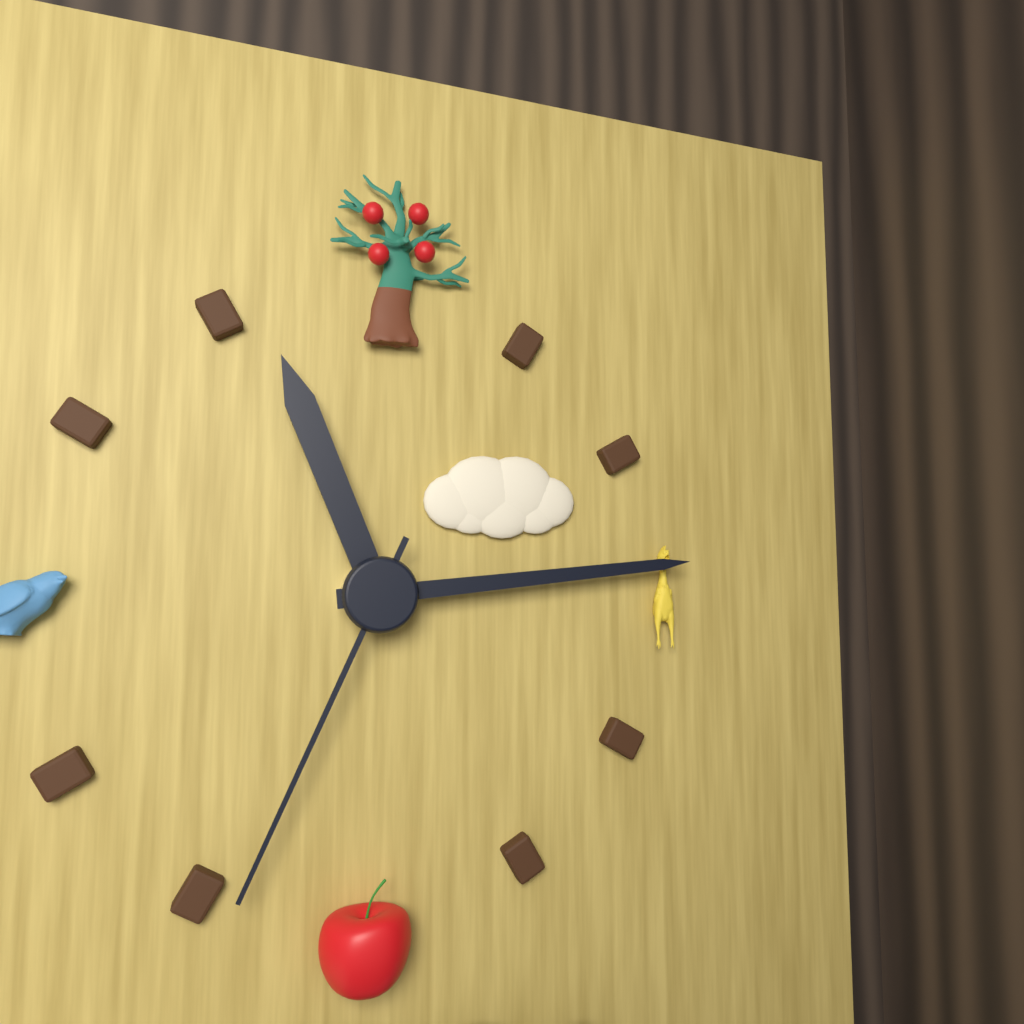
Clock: 11,14,34
